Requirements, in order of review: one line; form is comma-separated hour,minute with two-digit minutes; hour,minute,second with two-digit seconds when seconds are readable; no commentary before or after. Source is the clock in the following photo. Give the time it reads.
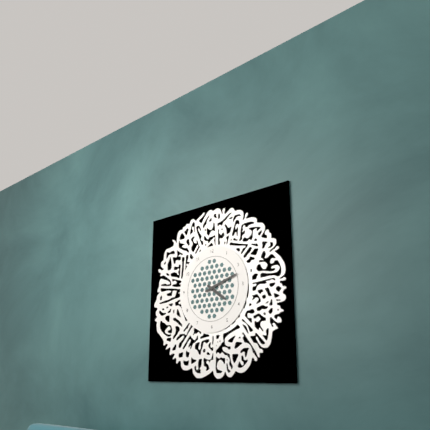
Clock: 4,12
